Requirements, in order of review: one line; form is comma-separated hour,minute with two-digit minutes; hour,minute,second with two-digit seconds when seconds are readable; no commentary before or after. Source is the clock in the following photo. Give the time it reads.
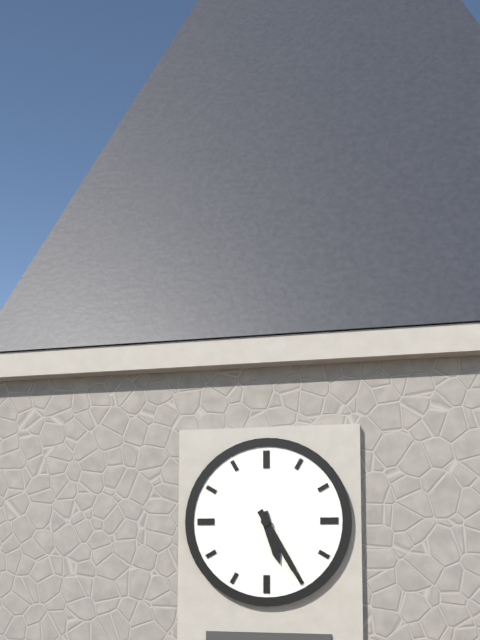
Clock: 5,25
